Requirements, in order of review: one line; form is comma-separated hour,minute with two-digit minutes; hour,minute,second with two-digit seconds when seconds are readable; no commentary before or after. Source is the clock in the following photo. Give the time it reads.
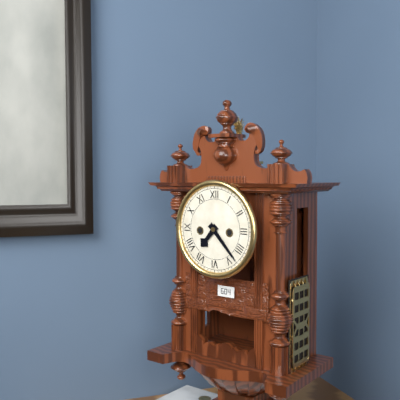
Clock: 7,23
